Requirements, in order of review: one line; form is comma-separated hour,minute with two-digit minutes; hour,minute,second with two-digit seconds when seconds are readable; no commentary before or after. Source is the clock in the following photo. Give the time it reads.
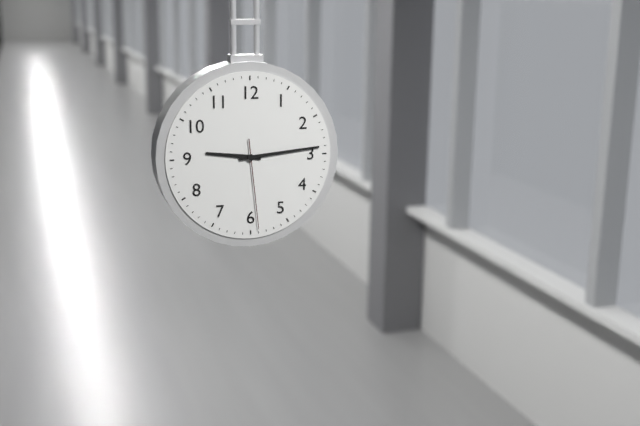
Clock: 9,14,29
